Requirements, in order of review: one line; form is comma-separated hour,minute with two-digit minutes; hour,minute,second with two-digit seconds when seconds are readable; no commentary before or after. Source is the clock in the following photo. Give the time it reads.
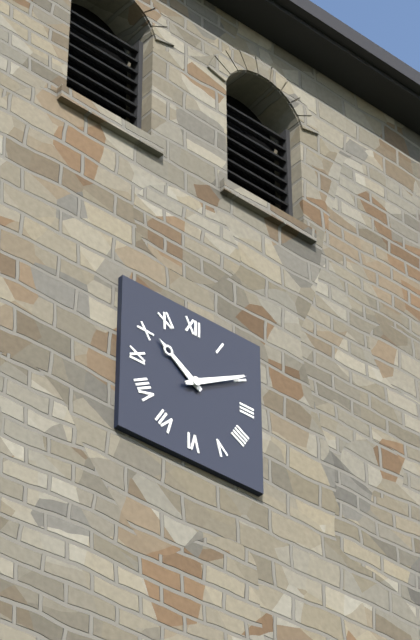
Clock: 10,10
